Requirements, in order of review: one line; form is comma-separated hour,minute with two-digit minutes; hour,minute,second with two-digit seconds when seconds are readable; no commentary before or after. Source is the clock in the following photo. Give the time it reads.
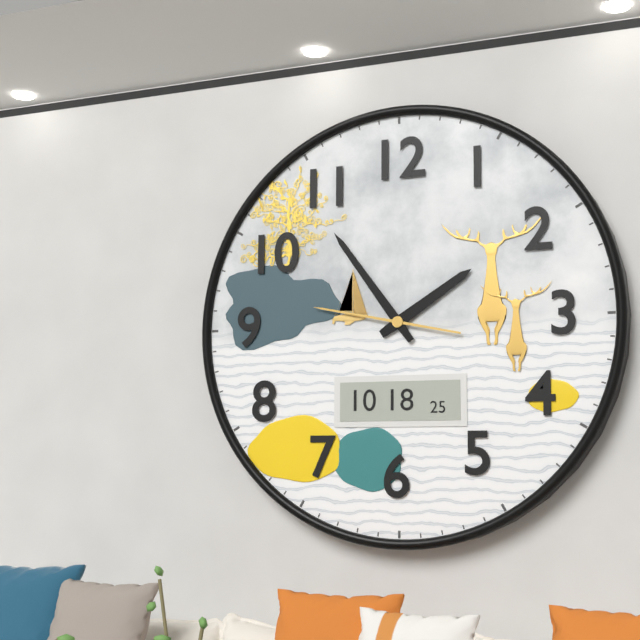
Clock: 1,54,47
